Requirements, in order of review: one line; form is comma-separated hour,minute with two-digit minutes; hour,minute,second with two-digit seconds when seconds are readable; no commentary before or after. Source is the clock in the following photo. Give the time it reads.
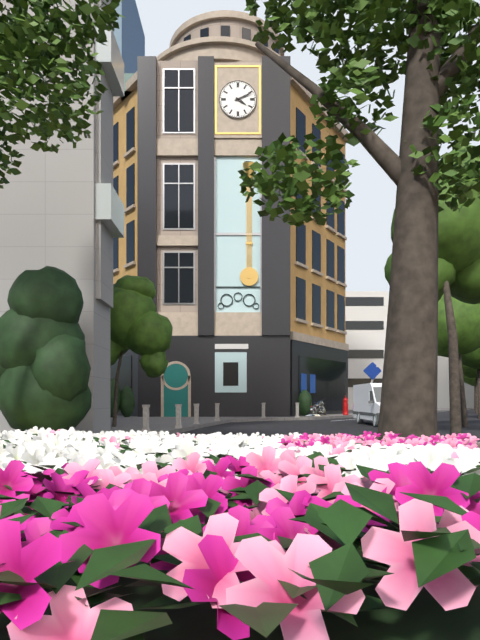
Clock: 4,11
